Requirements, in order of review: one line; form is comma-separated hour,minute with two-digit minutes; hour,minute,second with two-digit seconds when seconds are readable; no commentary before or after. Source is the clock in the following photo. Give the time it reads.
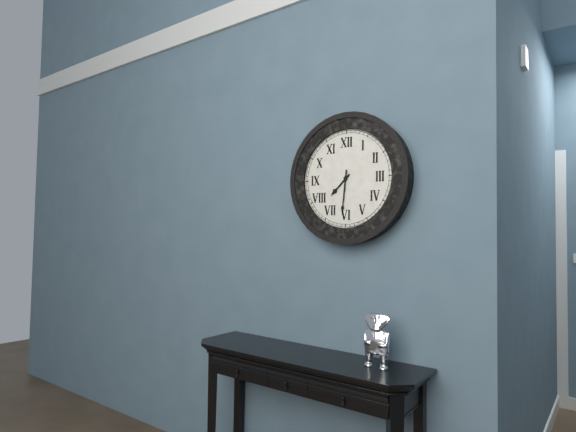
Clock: 7,31
